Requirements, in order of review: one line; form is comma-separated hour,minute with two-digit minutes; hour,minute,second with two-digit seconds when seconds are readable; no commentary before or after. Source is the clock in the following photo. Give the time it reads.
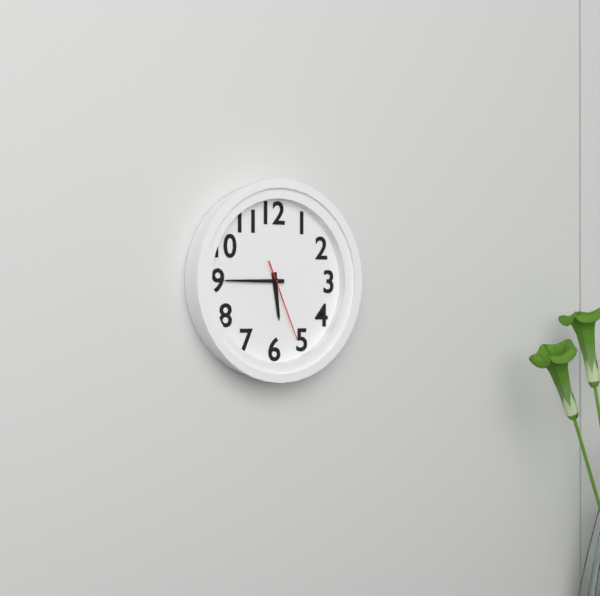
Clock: 5,45,26
